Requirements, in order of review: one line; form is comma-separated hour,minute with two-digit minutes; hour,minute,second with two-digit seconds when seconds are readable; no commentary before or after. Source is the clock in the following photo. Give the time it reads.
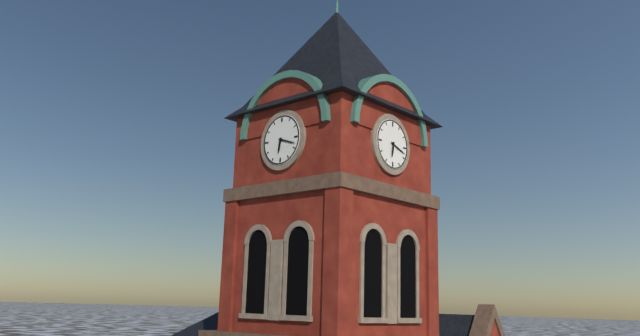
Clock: 6,18
